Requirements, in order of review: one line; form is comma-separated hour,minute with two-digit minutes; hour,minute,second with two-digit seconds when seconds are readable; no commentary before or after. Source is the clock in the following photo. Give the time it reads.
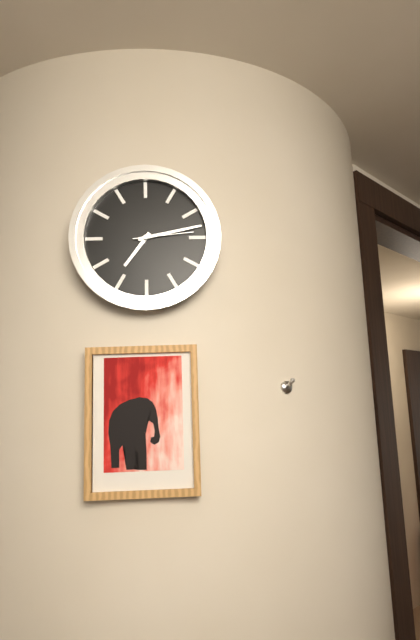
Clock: 7,13,14
